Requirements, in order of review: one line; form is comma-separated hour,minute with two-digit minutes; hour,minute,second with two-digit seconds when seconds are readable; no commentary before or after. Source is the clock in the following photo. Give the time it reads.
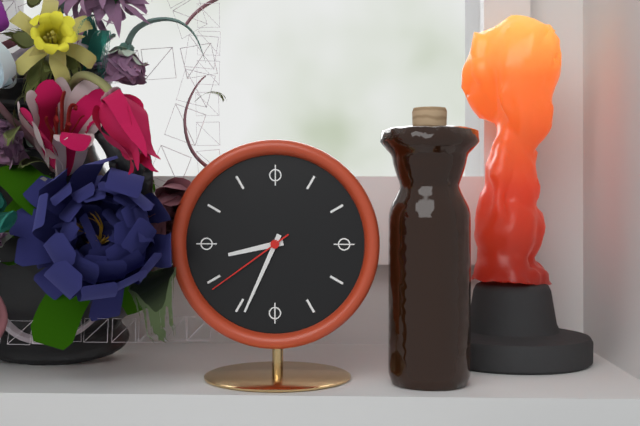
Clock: 8,34,39
